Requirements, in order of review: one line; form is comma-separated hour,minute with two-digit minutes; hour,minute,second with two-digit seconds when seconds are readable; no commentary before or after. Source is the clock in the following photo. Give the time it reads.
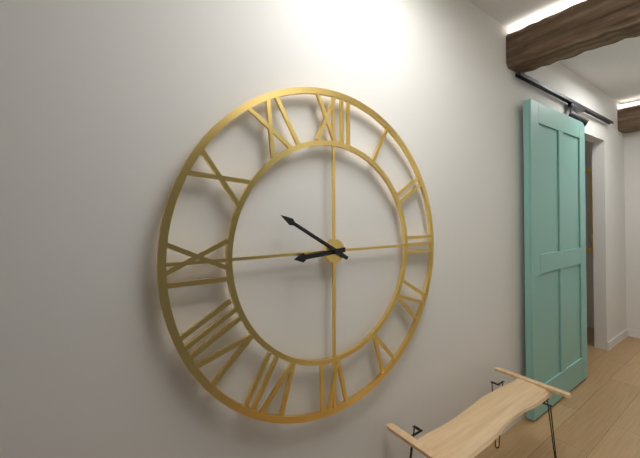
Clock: 8,50
